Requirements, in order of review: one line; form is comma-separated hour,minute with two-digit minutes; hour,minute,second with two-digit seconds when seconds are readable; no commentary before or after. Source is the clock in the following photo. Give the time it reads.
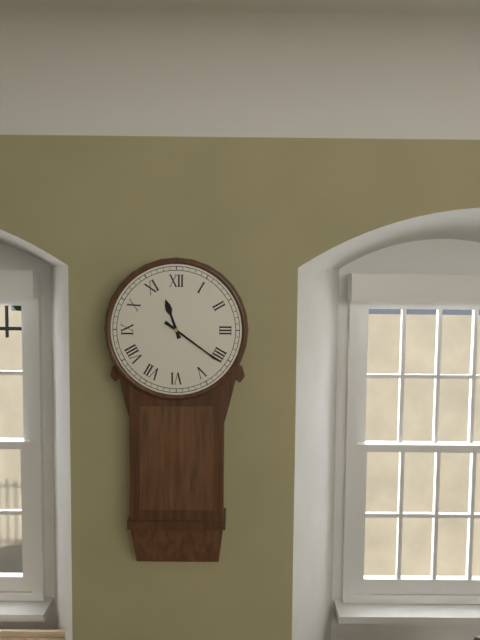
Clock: 11,21
